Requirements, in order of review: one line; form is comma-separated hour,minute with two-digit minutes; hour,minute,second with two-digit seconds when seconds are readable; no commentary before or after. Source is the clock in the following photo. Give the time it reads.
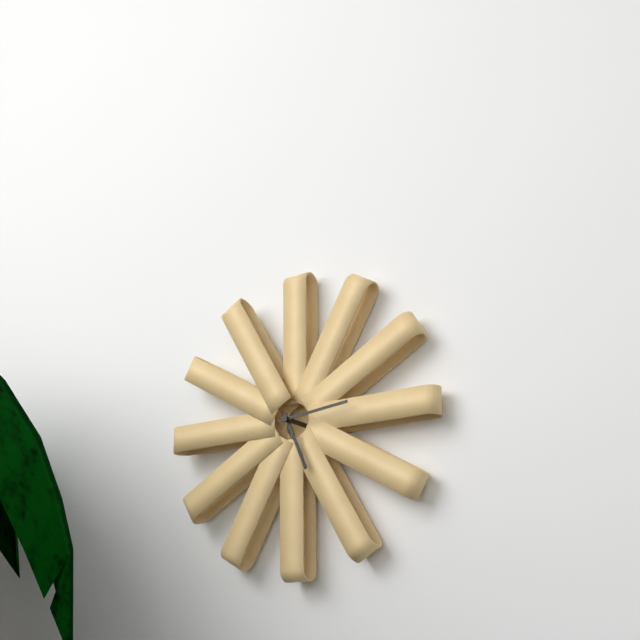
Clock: 5,14
